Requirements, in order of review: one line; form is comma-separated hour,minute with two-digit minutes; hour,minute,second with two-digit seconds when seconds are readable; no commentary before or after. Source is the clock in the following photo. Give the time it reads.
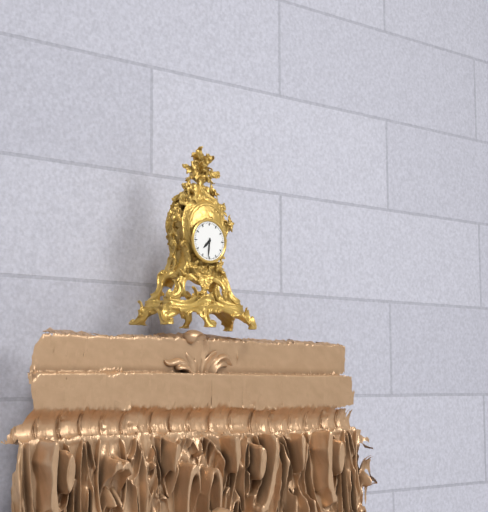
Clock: 7,31
